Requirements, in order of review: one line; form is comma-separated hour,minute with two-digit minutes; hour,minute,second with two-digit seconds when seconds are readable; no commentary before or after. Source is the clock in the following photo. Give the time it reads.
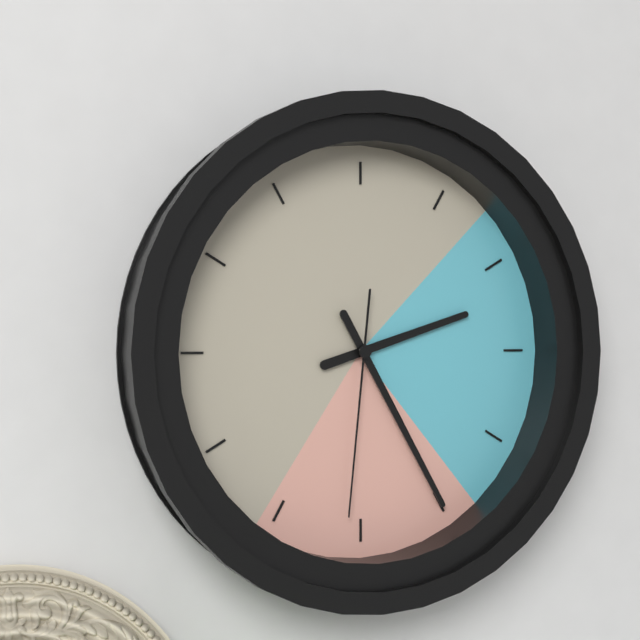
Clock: 2,25,31
